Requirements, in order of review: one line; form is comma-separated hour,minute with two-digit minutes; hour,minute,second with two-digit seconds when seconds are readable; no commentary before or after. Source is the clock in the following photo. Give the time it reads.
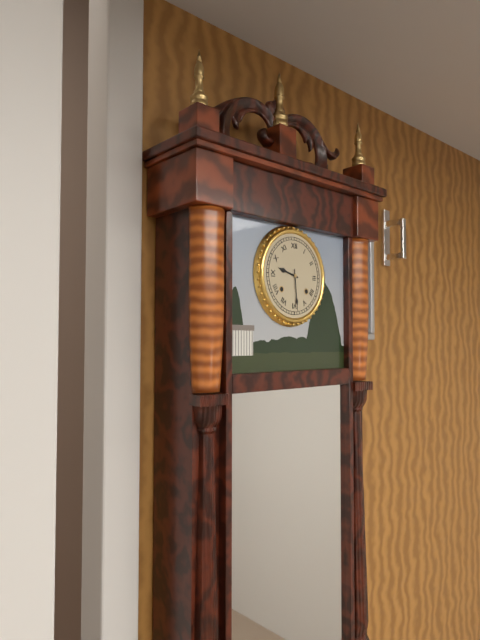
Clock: 9,29
